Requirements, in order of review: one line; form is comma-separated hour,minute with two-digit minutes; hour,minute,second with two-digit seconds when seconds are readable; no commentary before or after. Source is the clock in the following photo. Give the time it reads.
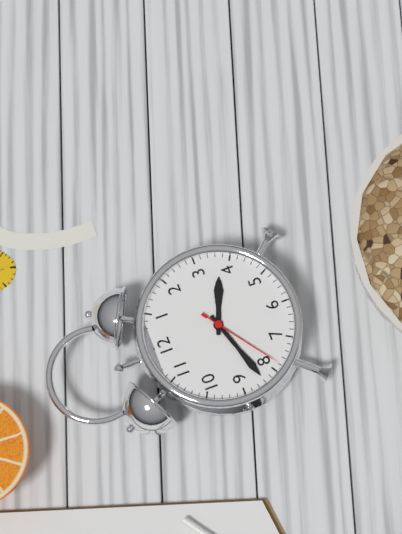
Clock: 3,42,39
